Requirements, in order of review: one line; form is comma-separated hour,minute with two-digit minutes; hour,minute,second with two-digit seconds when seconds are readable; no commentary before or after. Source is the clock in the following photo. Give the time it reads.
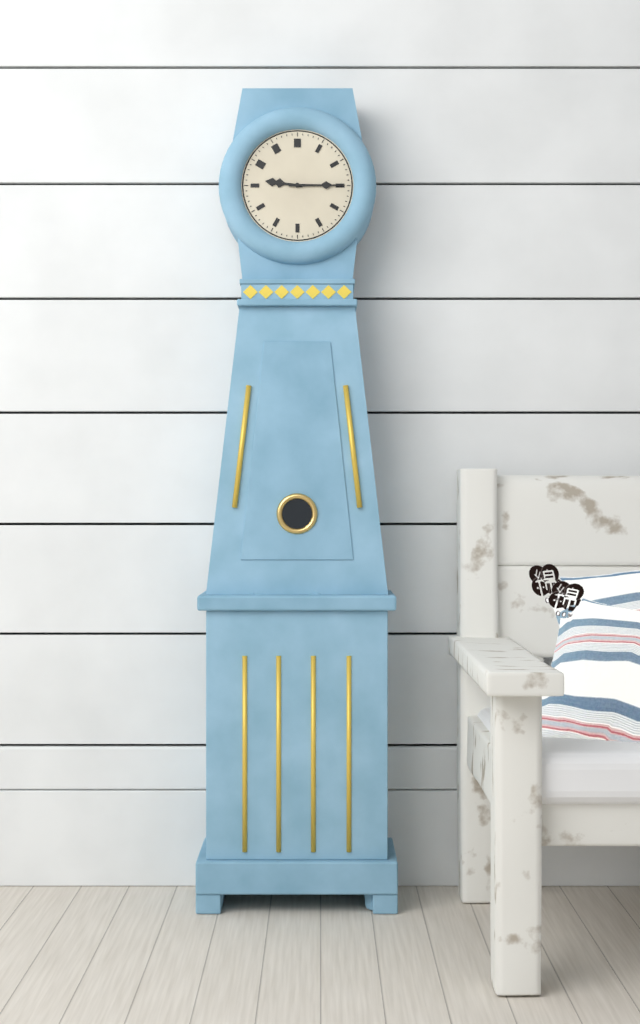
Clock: 9,15
